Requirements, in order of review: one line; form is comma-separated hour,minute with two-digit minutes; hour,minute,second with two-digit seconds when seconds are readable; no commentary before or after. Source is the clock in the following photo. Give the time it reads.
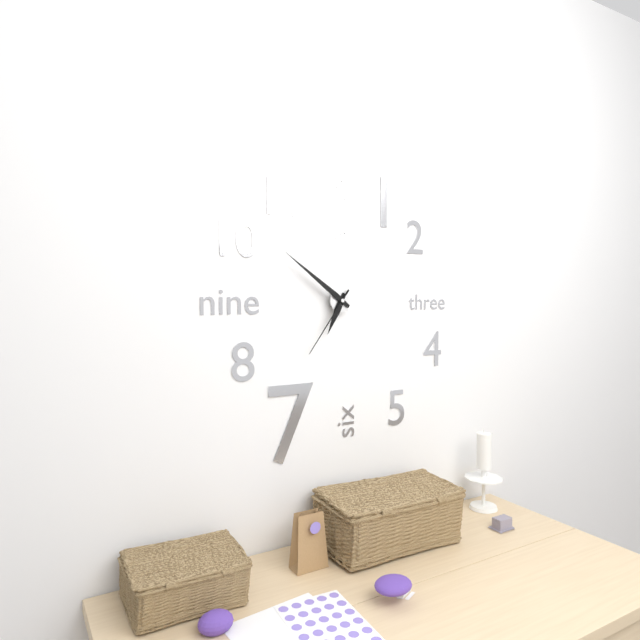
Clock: 6,51,36
